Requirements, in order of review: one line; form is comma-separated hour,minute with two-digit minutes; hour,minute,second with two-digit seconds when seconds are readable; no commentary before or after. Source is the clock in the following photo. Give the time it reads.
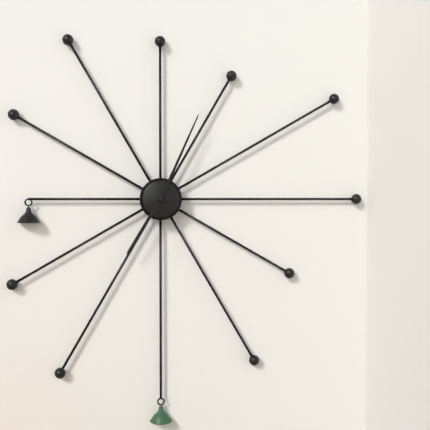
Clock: 7,04
